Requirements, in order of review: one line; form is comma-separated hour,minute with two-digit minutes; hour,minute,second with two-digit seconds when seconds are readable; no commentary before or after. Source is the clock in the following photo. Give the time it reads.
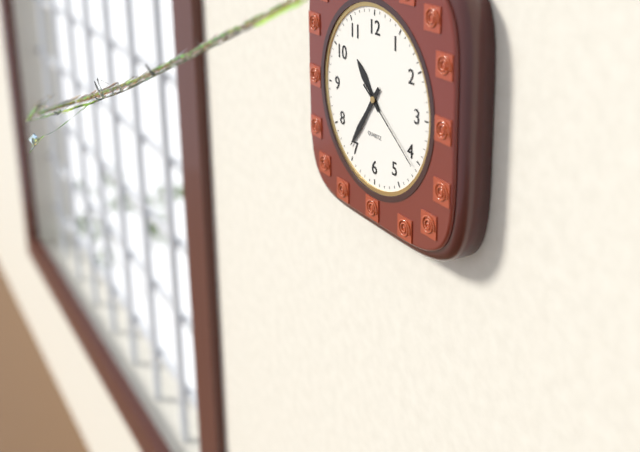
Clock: 10,36,21
